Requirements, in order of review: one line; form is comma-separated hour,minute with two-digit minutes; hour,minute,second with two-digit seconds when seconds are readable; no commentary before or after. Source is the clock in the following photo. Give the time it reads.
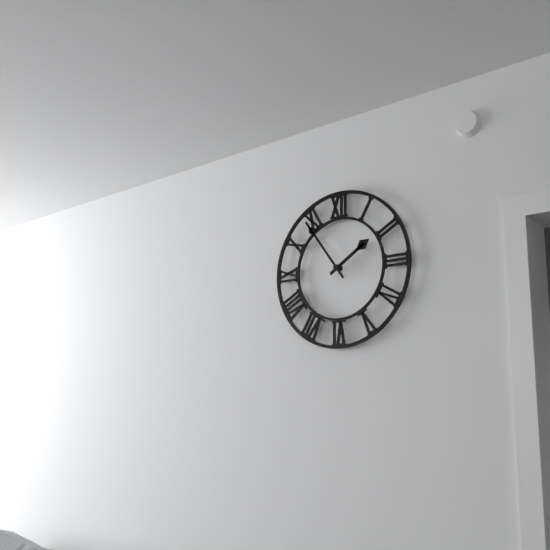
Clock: 1,54
